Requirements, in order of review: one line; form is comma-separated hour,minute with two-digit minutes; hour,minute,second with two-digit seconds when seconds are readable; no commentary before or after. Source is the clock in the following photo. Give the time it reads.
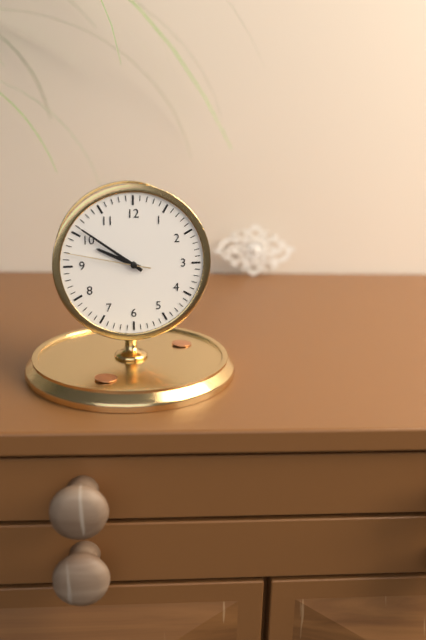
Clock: 9,51,47
